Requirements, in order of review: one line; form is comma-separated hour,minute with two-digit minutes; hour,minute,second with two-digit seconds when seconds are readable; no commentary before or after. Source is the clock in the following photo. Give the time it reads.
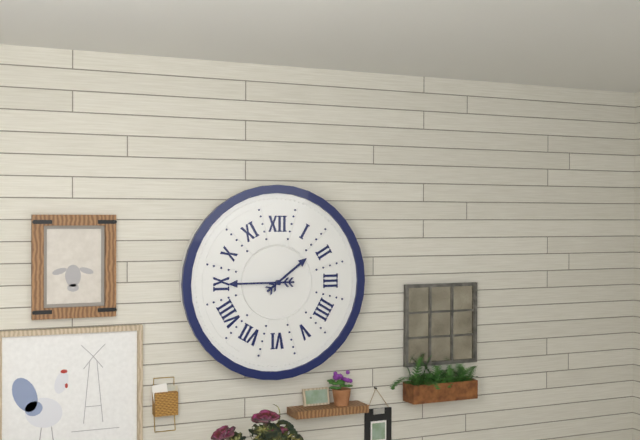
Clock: 1,45
